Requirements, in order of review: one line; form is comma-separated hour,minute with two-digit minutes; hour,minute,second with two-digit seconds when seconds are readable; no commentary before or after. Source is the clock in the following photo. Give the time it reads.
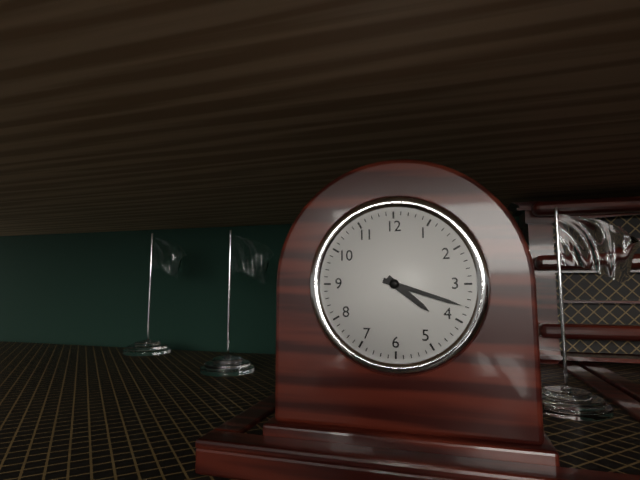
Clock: 4,18
